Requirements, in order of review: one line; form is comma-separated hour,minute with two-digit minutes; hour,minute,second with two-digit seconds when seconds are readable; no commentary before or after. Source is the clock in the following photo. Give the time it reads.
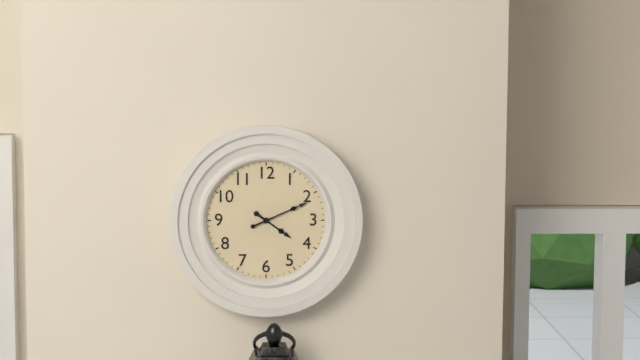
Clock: 4,11
